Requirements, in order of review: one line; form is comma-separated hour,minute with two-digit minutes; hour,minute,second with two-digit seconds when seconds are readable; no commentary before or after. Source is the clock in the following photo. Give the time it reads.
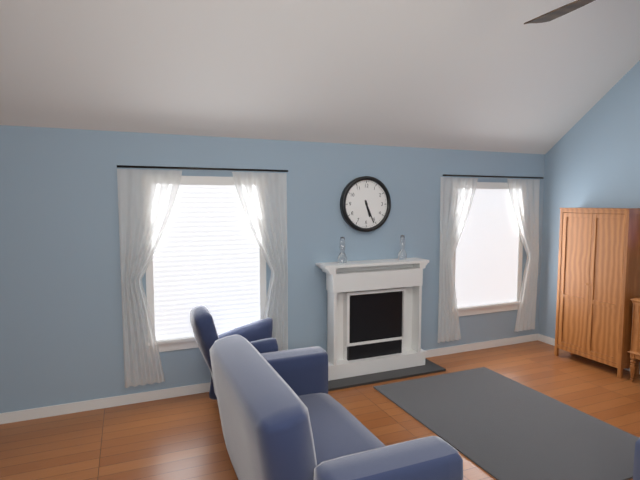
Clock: 5,26
